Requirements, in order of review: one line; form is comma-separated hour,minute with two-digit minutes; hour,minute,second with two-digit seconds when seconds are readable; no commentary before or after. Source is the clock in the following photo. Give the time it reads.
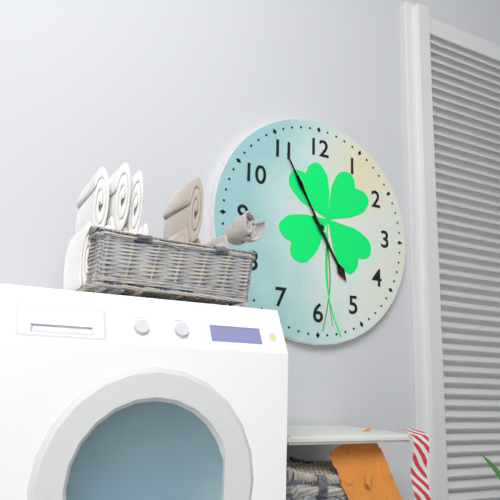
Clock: 4,55
